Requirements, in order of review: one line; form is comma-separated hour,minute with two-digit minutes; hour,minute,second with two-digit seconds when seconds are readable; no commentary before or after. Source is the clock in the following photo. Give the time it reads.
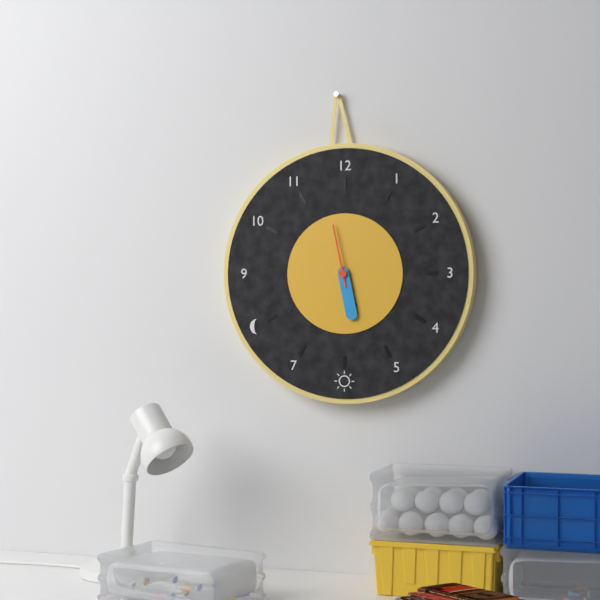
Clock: 5,28,58
